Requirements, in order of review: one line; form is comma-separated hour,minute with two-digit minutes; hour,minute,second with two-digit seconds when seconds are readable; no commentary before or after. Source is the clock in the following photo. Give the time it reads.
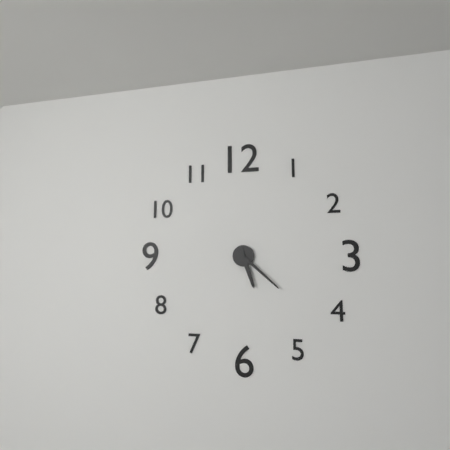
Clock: 5,22
